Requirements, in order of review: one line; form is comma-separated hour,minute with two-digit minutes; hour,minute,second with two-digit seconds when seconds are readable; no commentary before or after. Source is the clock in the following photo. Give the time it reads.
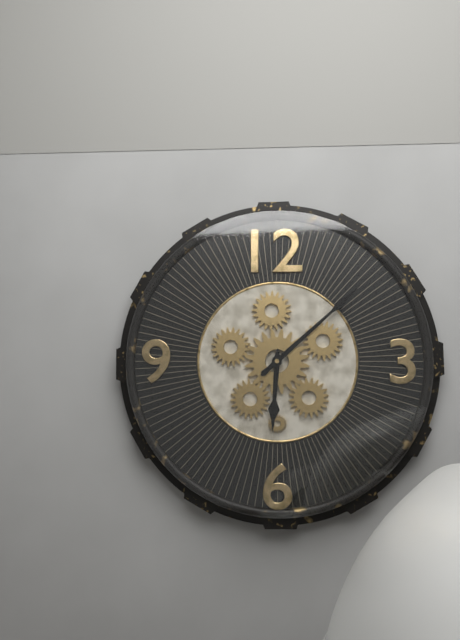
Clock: 6,08
